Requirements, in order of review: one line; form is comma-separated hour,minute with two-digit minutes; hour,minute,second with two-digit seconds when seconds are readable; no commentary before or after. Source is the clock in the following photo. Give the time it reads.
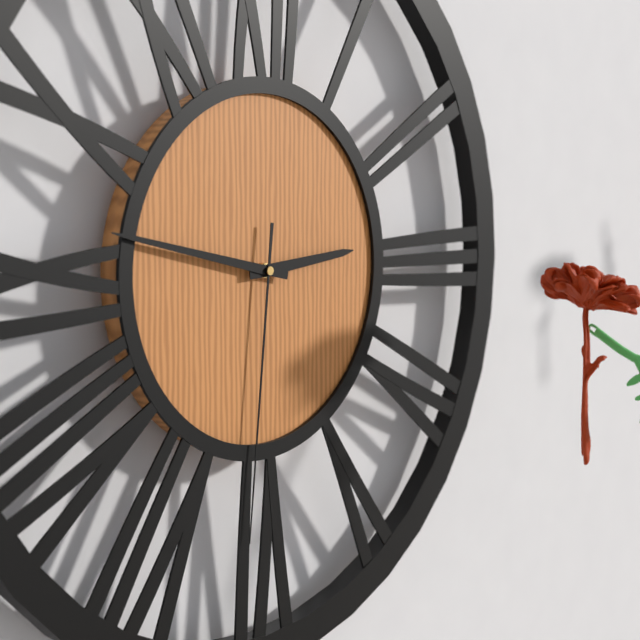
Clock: 2,47,31
